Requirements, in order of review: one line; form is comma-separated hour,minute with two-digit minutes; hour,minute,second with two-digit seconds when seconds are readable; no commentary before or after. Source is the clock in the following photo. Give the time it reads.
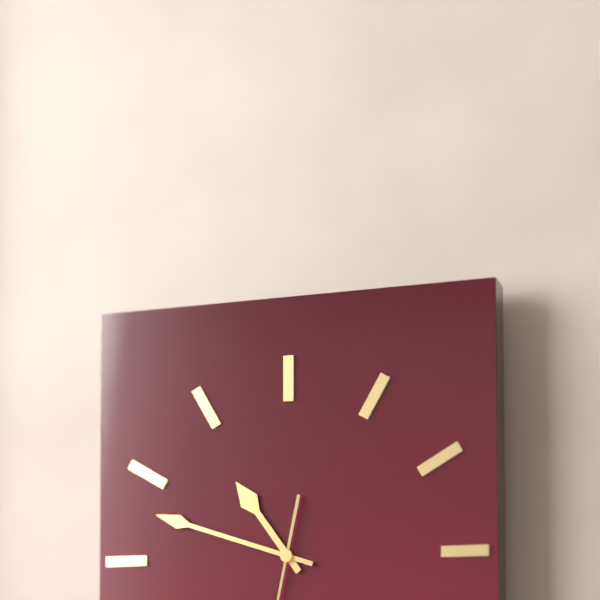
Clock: 10,48
